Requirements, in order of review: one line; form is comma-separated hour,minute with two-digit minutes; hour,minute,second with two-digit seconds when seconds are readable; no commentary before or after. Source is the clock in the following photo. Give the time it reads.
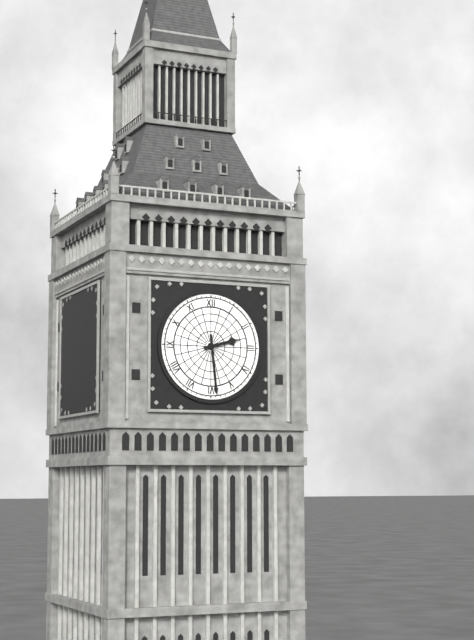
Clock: 2,29
